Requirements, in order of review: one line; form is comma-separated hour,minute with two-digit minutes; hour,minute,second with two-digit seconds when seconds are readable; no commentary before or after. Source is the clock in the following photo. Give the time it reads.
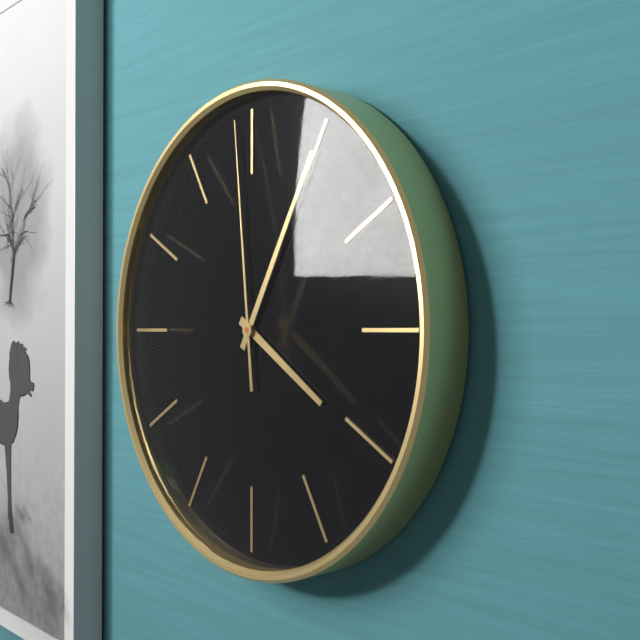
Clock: 4,05,59
